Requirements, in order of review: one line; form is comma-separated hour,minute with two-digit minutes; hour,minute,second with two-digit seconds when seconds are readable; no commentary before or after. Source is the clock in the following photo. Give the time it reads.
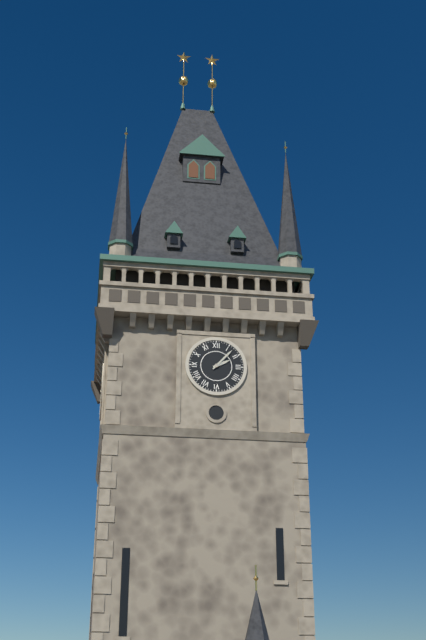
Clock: 2,07
